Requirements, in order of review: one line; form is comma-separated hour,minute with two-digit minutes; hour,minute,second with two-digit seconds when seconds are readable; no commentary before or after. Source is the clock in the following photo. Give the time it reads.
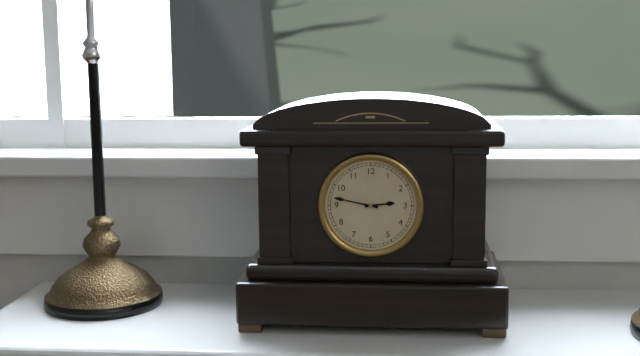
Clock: 2,47
